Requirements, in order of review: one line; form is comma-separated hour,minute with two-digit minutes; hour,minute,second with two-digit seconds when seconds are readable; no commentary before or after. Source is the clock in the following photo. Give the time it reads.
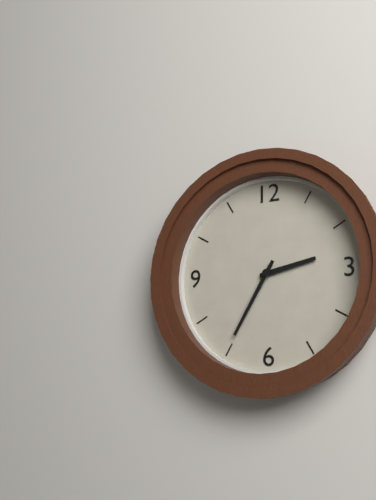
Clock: 2,35
